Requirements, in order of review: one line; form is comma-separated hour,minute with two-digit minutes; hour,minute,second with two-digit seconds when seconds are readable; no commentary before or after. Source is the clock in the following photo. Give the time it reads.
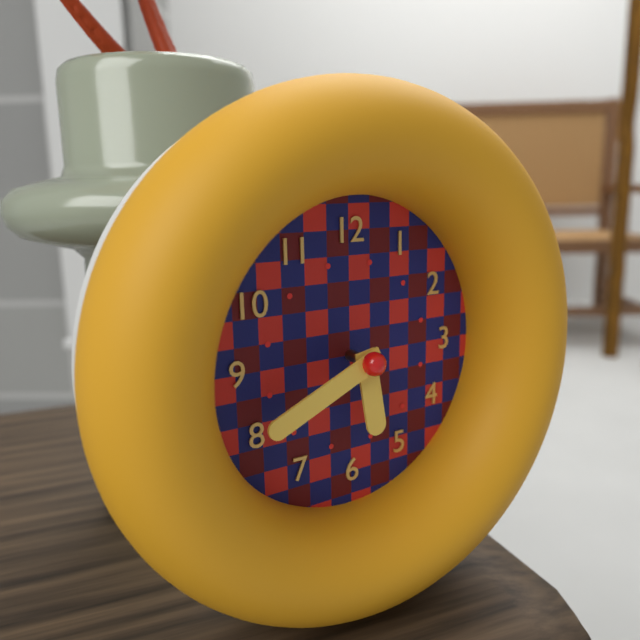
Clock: 5,41
